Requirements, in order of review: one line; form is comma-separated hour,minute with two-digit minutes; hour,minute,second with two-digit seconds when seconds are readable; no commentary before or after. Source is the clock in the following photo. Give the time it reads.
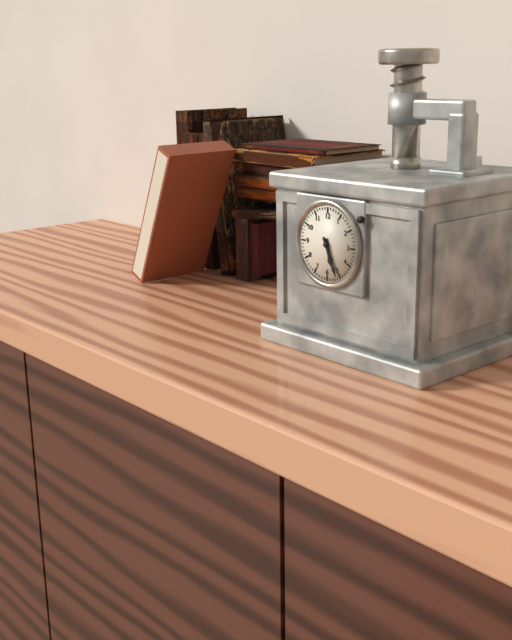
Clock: 5,26
